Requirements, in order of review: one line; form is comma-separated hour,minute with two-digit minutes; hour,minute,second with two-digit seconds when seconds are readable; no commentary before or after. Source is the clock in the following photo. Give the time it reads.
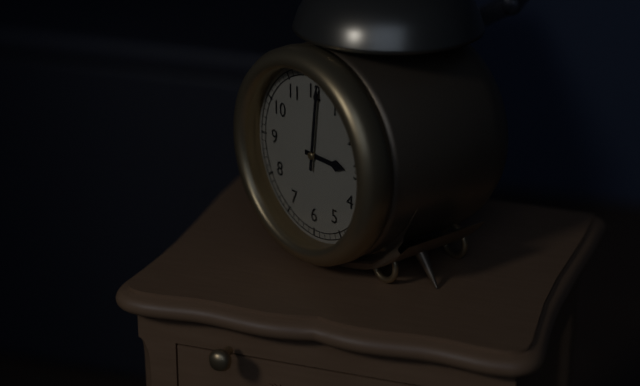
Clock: 3,01
